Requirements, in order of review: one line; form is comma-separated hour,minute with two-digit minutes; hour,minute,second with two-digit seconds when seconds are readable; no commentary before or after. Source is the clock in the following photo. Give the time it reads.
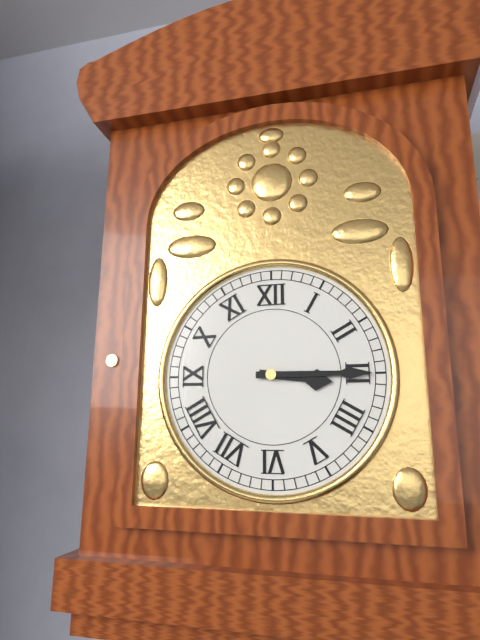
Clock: 3,15
